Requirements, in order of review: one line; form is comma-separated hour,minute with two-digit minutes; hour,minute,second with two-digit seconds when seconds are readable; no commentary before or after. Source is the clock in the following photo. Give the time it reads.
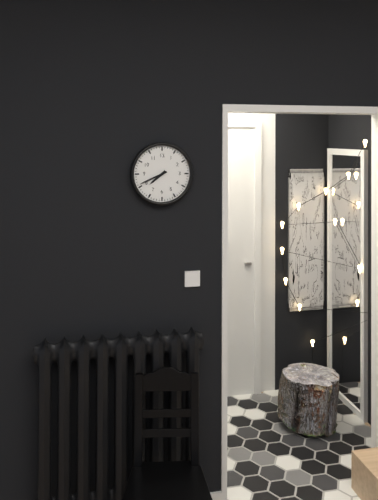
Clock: 7,41
